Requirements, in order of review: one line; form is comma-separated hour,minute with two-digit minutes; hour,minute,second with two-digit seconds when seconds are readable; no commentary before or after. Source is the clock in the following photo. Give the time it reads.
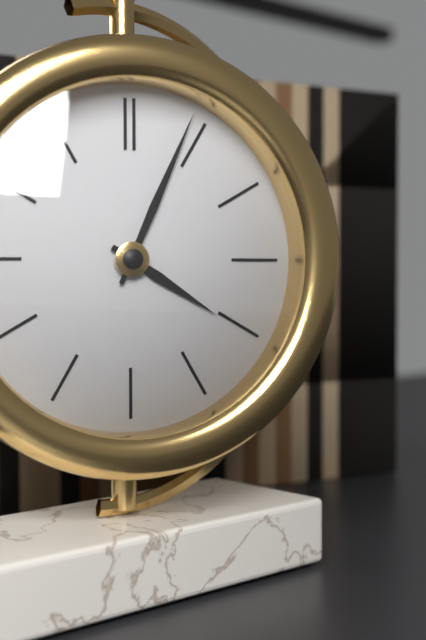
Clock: 4,04
